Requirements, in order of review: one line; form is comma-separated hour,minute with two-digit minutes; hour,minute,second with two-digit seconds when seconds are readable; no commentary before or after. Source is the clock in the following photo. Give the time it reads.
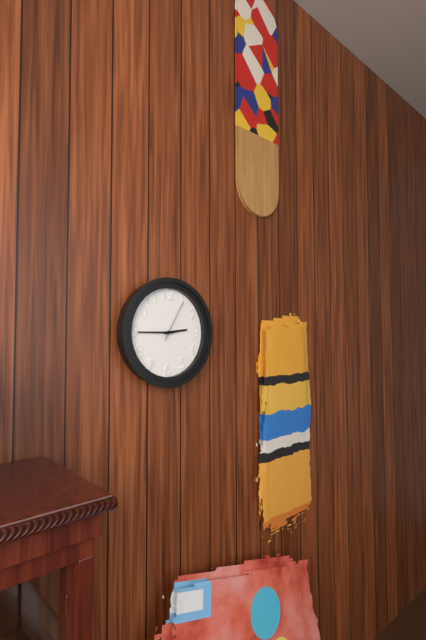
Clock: 2,45
